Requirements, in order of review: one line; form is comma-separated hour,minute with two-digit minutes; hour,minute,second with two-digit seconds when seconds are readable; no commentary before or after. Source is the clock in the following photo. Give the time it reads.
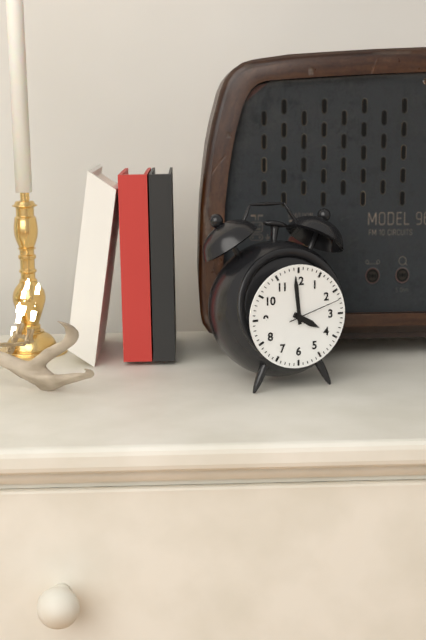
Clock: 3,59,12
